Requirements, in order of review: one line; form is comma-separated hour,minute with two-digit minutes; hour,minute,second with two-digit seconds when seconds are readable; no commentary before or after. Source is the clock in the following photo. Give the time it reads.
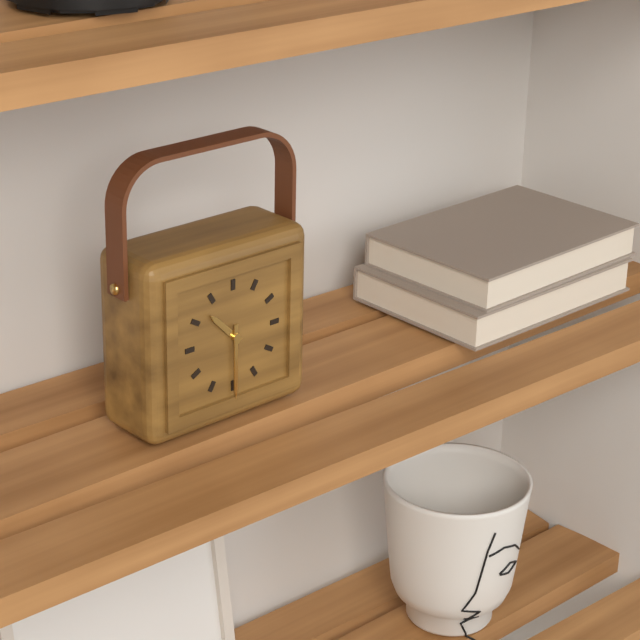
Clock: 10,30
